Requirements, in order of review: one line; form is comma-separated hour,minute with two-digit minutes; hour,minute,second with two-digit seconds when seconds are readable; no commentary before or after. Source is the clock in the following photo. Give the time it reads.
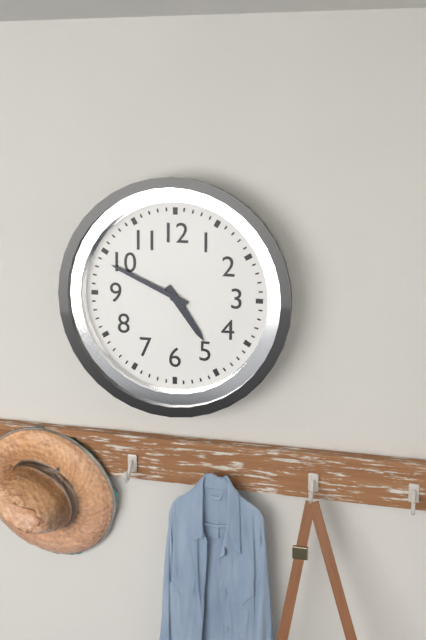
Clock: 4,49
